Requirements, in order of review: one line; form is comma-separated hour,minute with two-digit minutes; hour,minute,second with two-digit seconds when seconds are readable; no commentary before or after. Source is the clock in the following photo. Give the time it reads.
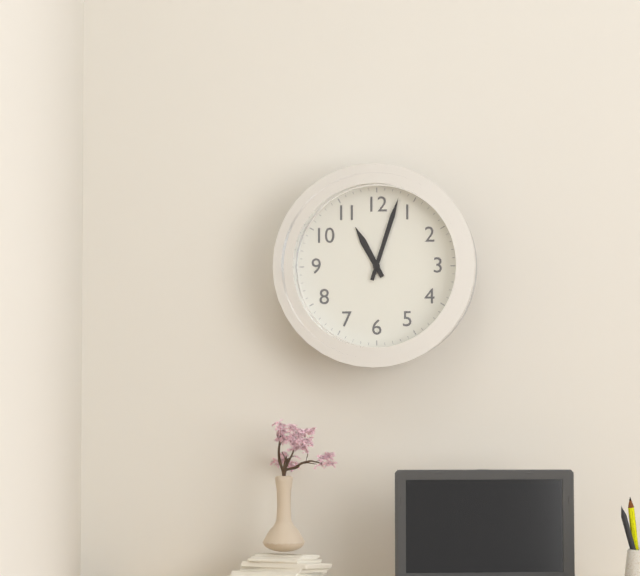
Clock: 11,03
